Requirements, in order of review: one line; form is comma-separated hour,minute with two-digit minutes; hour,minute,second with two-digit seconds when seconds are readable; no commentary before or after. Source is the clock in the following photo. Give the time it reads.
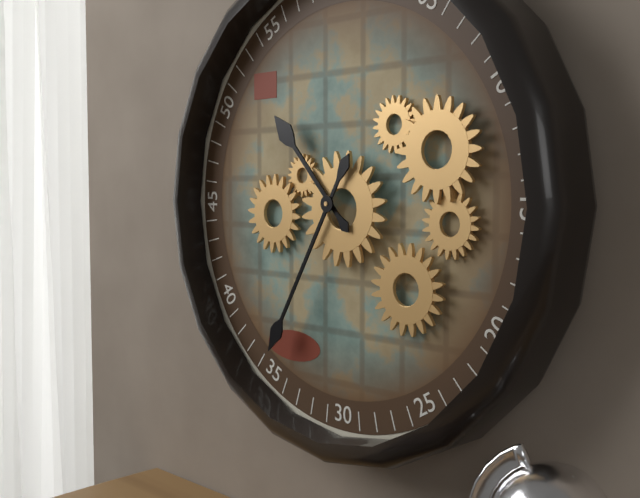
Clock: 10,35
